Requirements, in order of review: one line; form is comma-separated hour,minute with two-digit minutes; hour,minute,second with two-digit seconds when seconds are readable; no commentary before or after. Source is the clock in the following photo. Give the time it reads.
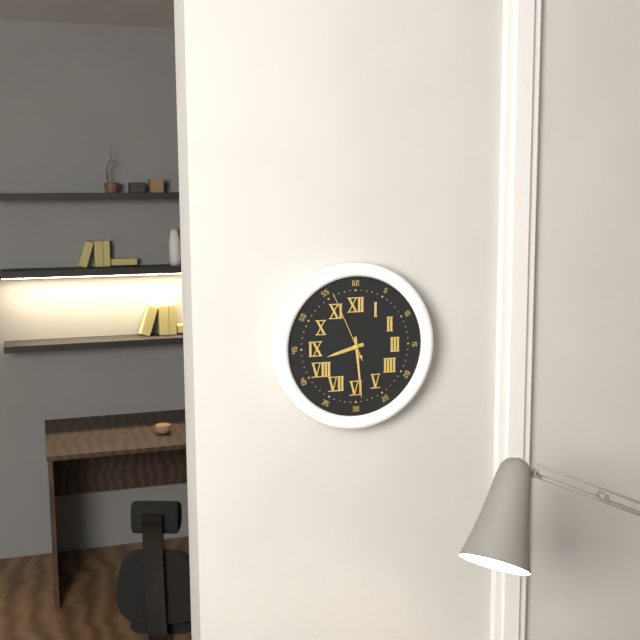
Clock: 8,29,56
